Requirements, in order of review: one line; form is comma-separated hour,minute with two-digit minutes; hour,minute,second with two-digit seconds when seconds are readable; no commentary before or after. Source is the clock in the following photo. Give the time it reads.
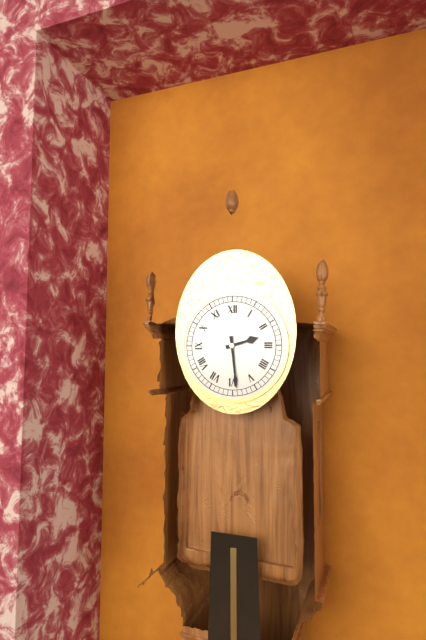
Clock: 2,29
